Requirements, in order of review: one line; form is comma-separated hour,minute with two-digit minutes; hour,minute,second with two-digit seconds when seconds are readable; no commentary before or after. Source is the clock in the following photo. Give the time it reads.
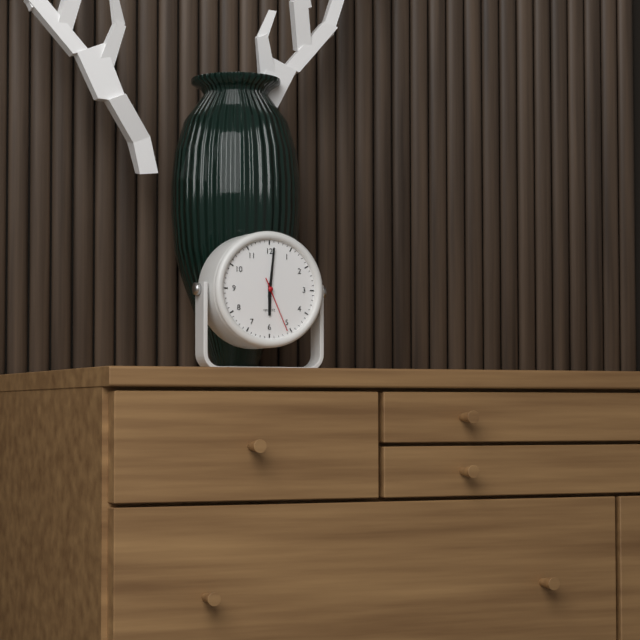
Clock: 6,01,26
